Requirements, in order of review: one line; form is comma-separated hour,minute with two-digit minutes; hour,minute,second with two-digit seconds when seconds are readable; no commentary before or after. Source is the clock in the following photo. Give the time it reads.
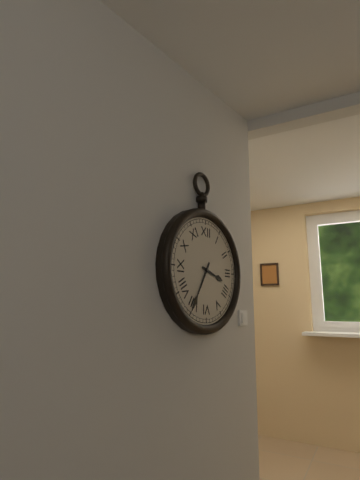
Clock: 3,35
